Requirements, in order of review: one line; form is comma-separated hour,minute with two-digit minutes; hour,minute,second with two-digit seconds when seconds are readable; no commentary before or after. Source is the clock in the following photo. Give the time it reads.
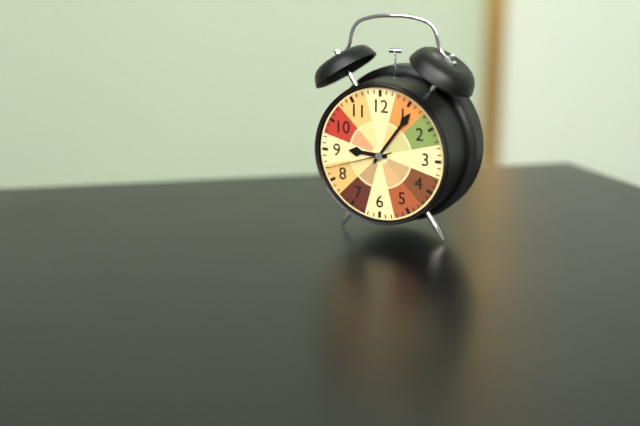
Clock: 9,06,42
